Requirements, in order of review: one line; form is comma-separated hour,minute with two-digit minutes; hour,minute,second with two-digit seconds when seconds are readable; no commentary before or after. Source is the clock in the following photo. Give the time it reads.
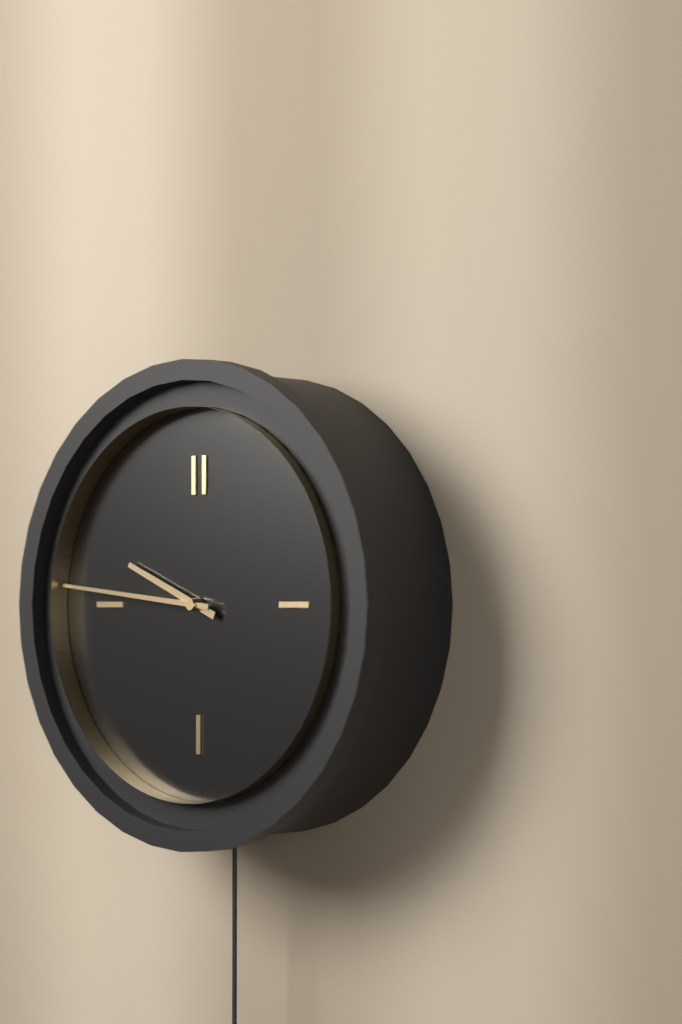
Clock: 9,46
